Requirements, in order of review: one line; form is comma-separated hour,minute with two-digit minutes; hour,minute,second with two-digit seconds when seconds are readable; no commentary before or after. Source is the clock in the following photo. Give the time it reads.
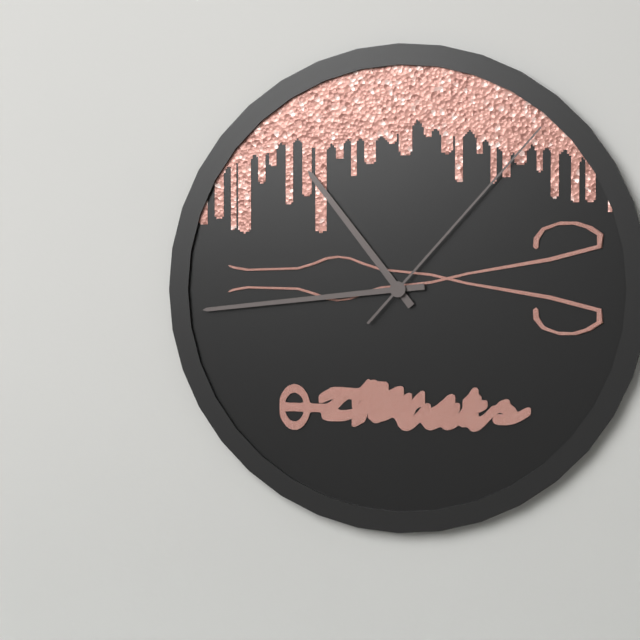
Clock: 10,44,07
